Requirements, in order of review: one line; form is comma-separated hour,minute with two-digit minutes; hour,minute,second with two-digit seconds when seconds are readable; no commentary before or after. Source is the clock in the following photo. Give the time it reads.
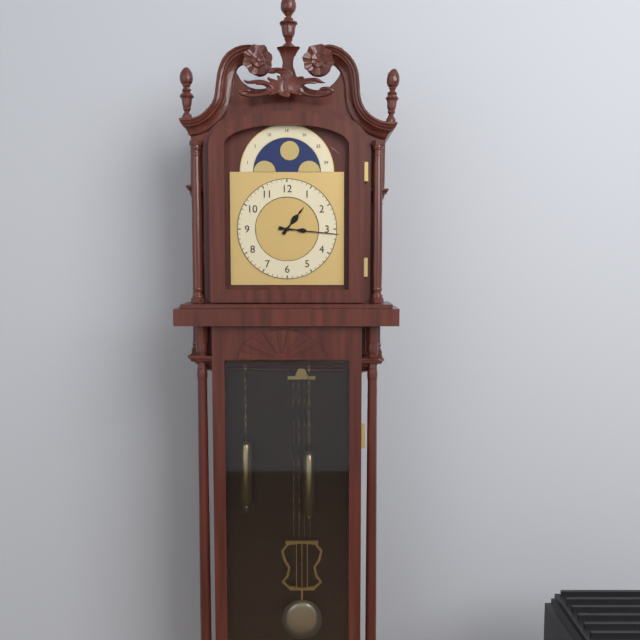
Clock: 1,16
